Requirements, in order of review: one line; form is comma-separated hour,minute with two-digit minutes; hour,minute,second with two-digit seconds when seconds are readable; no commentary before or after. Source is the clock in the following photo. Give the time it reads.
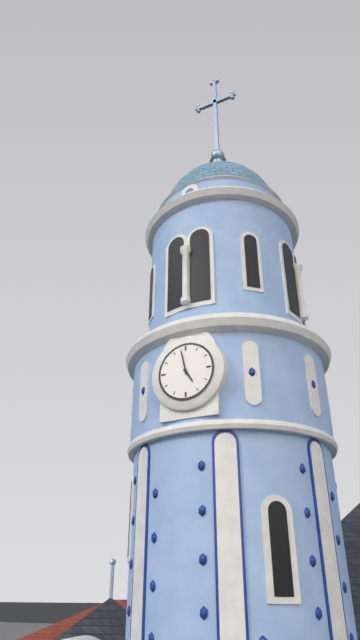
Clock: 4,58
